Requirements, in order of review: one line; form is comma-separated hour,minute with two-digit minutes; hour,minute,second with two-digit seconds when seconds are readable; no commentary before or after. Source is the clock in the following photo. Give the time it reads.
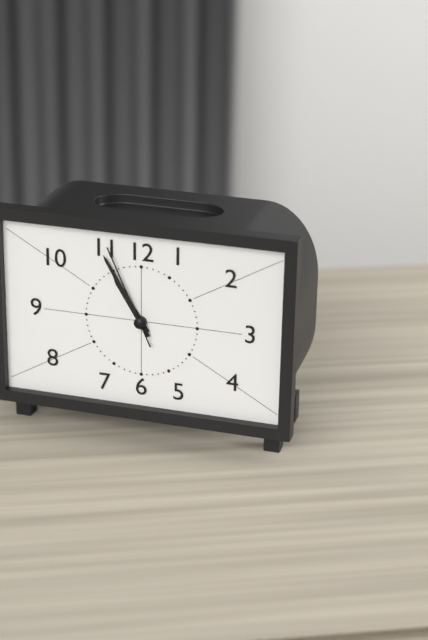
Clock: 10,55,56
